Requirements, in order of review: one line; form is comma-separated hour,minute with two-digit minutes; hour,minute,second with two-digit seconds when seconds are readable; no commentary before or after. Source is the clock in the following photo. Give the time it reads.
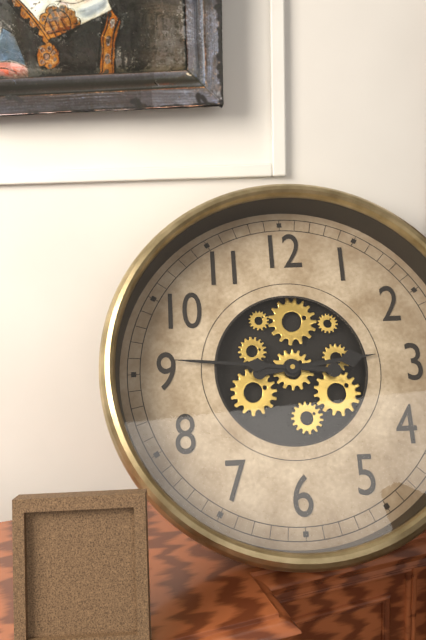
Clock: 2,46
